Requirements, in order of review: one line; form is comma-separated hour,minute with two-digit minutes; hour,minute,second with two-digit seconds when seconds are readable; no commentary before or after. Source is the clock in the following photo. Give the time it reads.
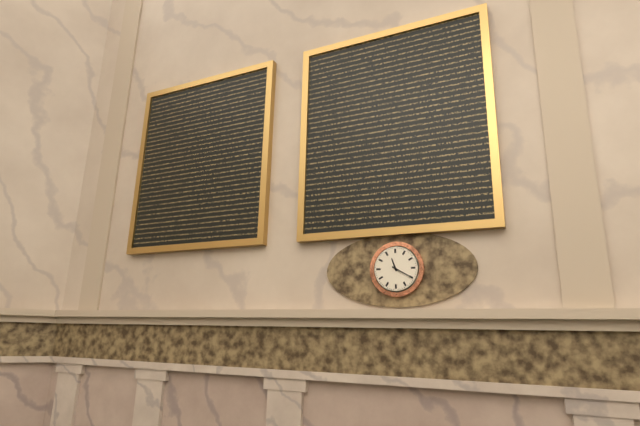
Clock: 11,20
